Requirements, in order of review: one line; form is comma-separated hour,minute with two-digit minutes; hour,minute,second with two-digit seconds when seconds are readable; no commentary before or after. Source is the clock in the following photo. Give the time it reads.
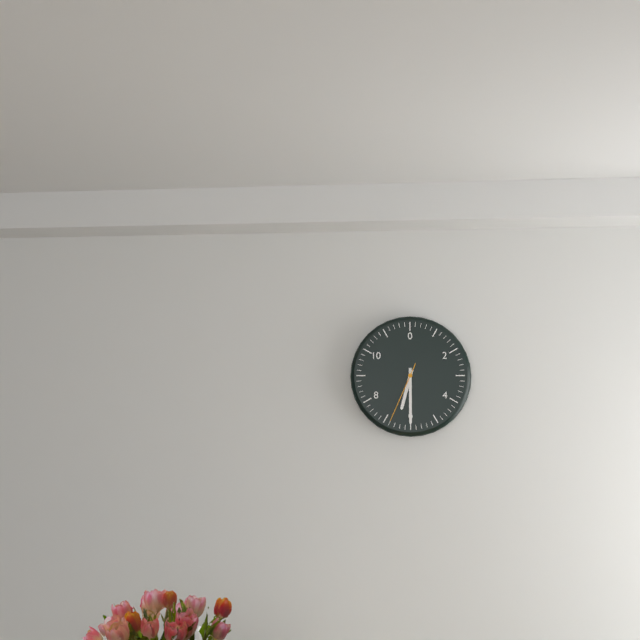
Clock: 6,30,34
